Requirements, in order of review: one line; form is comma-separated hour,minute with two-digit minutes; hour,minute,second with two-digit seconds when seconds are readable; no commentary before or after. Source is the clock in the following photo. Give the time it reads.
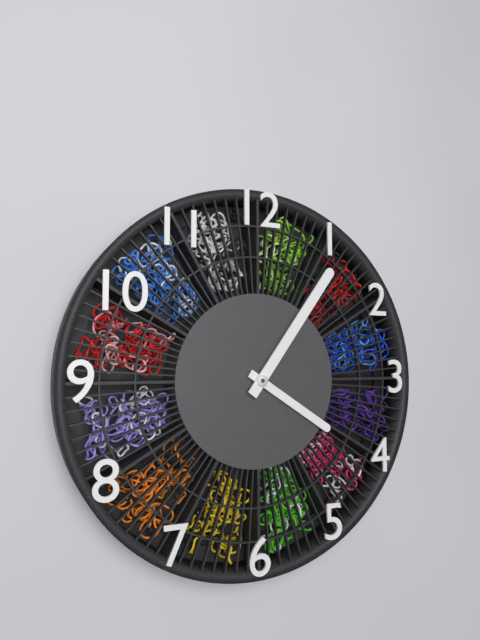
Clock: 4,06
